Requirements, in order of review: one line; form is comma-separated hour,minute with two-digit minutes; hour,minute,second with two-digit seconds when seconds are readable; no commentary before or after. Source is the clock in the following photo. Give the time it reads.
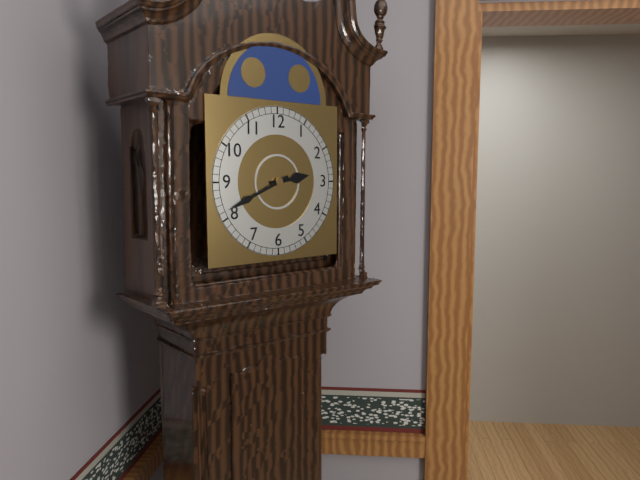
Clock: 2,41
